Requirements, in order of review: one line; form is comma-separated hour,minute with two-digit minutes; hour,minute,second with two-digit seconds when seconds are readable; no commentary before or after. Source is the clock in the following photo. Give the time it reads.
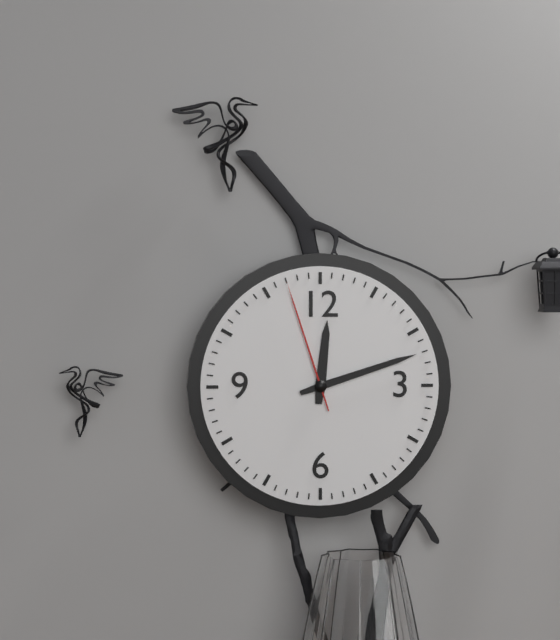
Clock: 12,12,57
